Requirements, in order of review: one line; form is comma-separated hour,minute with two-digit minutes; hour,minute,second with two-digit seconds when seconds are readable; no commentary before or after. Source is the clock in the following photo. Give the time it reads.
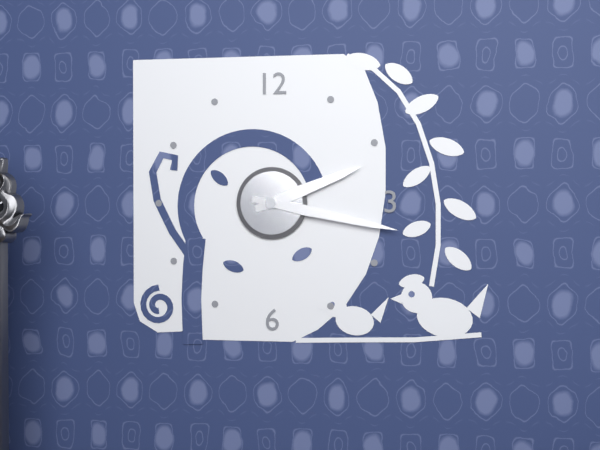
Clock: 2,17
